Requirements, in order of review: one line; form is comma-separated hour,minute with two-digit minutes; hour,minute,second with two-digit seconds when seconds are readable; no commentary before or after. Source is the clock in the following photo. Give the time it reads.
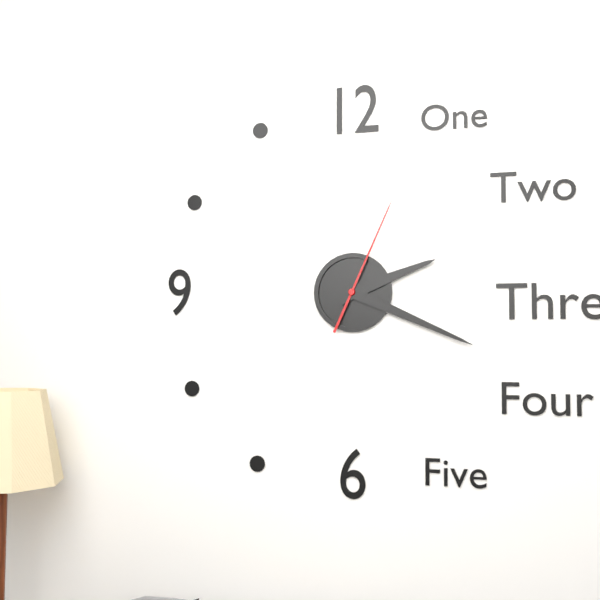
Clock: 2,19,04
